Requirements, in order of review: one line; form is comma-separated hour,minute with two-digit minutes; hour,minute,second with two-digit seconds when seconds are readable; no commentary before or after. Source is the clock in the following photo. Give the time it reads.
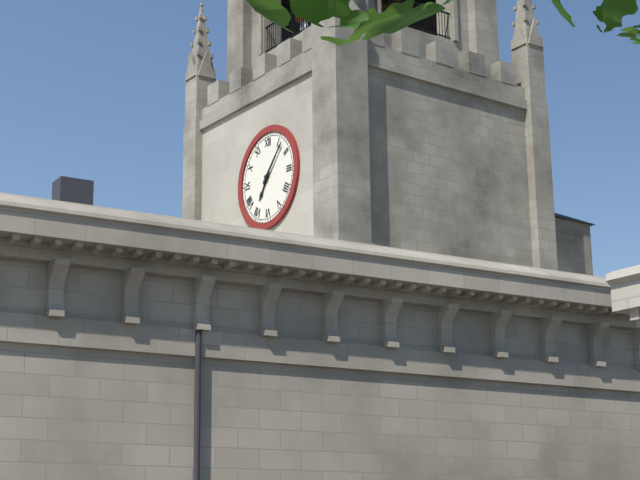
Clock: 7,07
